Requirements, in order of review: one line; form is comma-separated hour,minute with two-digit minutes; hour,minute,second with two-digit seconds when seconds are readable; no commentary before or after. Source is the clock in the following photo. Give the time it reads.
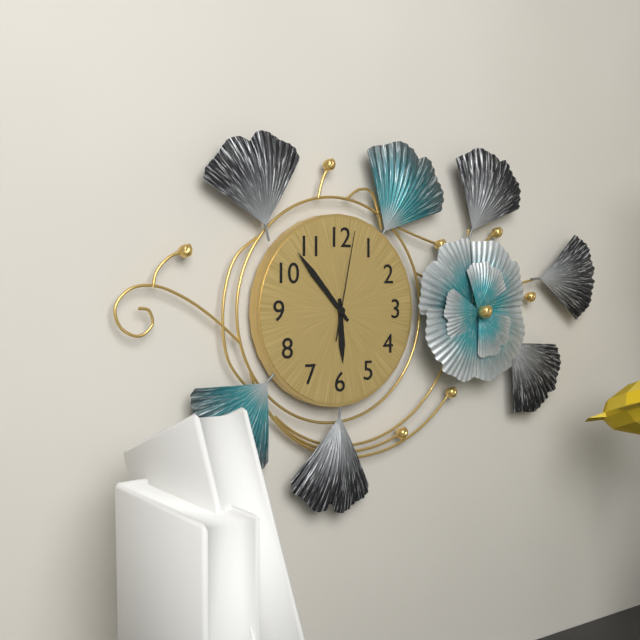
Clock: 5,53,02
